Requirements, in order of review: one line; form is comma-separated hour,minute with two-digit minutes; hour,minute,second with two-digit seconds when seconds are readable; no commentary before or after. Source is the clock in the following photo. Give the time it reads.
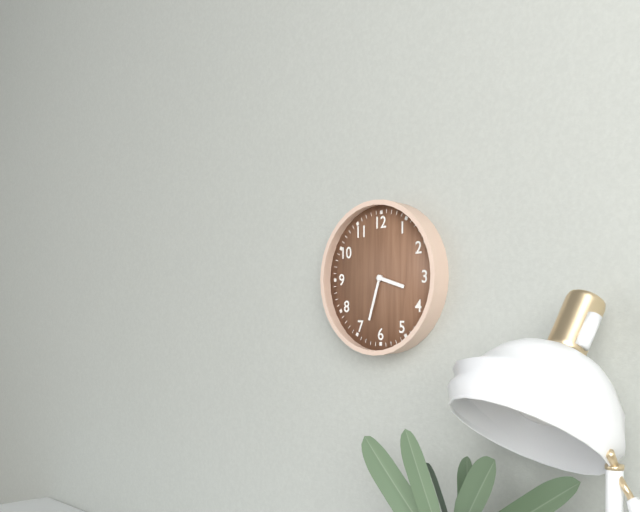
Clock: 3,33
